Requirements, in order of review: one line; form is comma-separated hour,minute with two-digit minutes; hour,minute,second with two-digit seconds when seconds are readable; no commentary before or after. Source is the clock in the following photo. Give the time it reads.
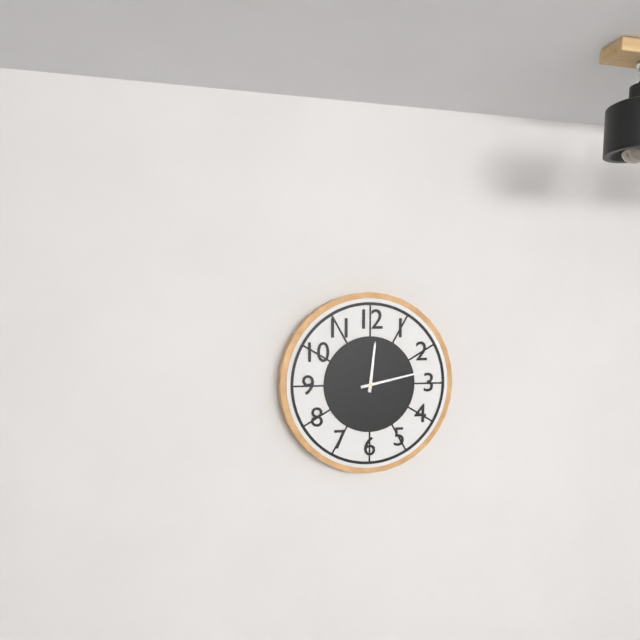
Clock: 12,13
